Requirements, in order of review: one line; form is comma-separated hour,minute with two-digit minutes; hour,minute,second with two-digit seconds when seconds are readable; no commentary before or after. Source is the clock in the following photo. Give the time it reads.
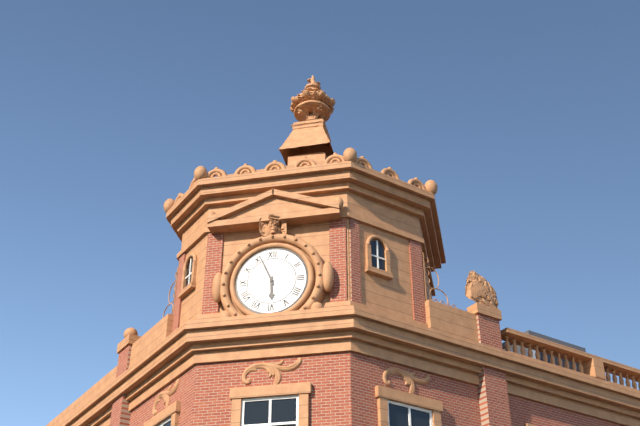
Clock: 5,56
